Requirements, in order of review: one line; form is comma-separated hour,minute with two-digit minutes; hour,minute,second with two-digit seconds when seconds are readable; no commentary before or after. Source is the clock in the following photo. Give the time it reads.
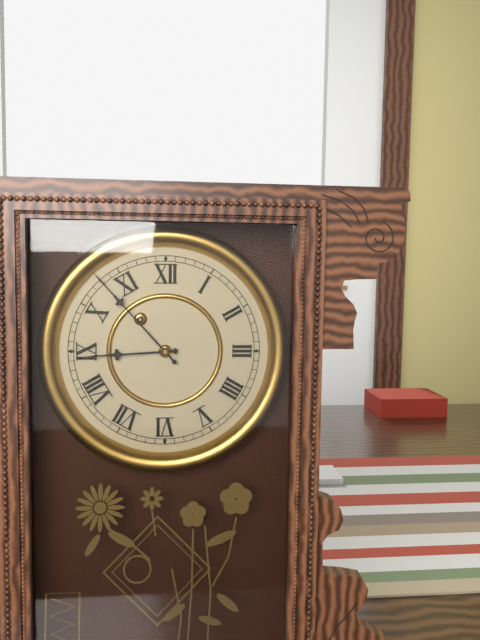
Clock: 8,53
